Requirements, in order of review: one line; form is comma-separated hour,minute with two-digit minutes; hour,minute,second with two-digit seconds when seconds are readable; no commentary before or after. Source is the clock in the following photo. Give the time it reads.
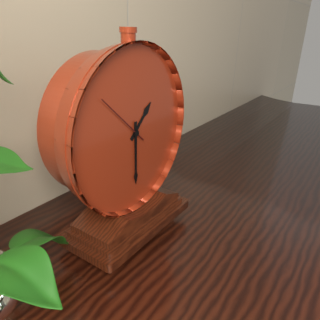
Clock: 1,30,52
